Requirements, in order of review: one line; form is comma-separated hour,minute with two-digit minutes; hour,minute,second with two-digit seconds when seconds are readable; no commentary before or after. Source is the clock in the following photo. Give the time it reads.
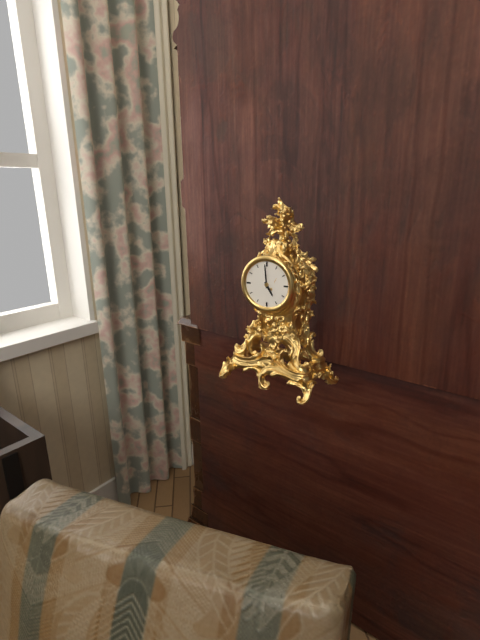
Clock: 4,59
